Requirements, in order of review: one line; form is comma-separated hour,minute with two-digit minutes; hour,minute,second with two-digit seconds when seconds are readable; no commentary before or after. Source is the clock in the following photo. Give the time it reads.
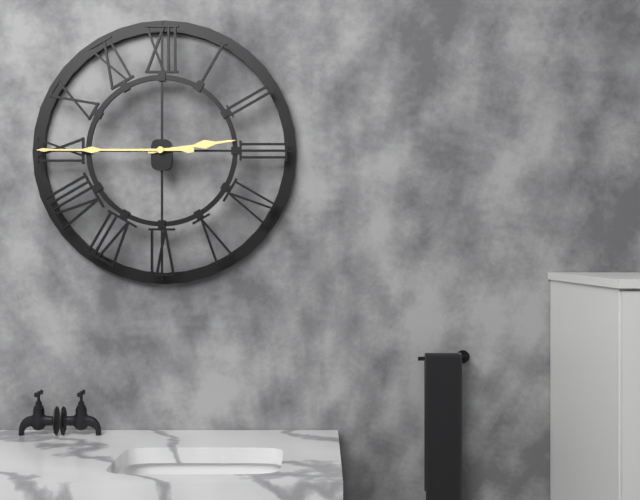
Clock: 2,45
